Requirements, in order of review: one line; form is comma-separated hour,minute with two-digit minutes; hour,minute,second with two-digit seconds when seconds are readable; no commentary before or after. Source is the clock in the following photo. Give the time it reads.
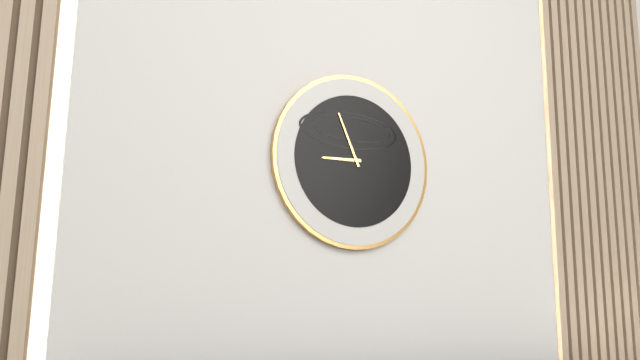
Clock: 8,56
